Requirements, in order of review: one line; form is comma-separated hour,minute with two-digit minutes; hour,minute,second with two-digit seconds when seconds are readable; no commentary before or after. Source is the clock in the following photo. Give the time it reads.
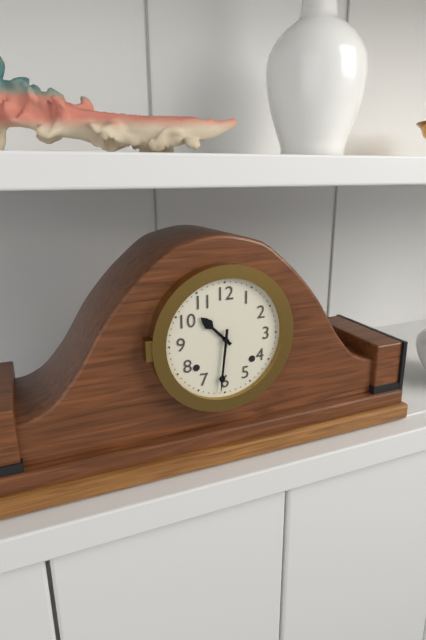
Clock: 10,31
